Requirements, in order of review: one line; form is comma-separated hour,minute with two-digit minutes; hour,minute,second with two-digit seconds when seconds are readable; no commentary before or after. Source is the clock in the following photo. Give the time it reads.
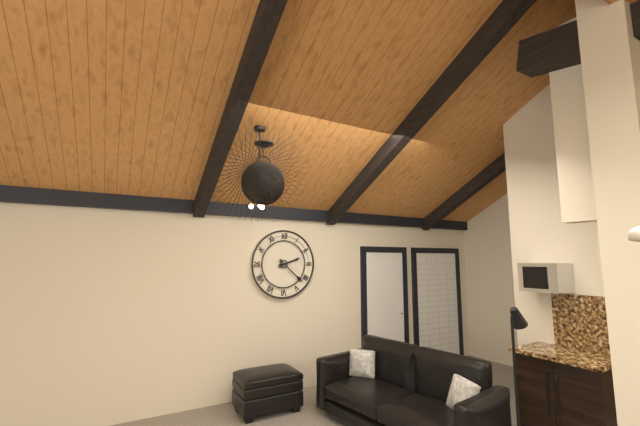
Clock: 2,22
